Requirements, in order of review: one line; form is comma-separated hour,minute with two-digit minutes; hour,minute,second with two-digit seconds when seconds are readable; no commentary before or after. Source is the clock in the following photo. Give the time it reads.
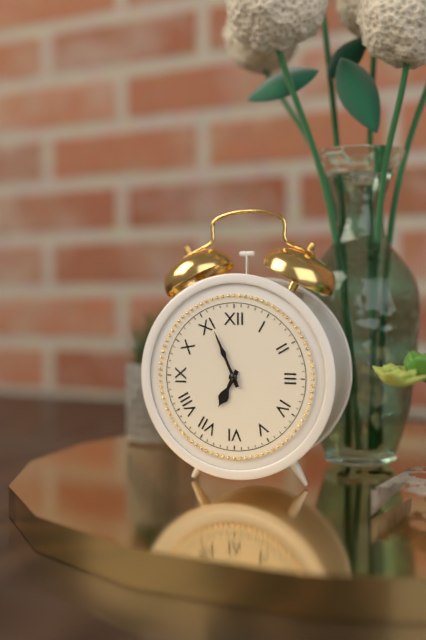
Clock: 6,56
